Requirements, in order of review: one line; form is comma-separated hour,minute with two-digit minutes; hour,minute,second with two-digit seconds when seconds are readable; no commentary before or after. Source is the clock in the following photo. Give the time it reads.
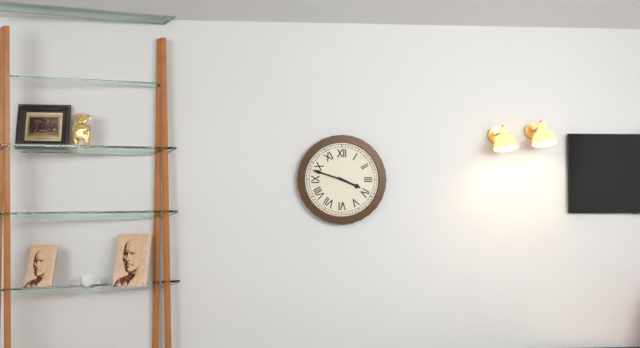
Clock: 3,48
